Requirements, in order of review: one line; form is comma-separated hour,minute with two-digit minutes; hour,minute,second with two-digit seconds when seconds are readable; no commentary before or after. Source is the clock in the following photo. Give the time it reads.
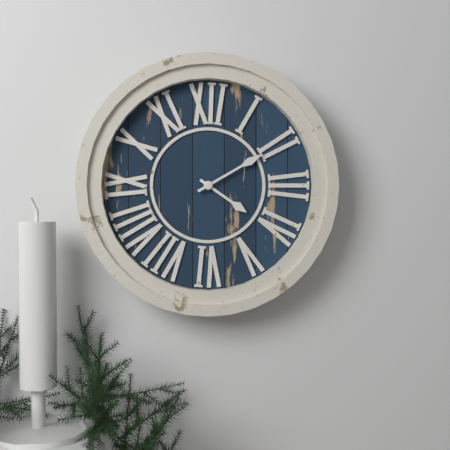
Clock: 4,10
